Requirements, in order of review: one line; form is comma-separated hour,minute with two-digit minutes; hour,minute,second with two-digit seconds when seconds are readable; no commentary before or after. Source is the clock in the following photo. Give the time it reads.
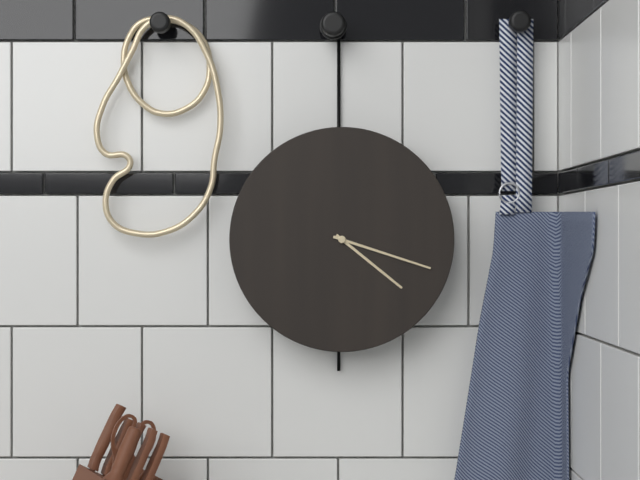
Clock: 4,18
